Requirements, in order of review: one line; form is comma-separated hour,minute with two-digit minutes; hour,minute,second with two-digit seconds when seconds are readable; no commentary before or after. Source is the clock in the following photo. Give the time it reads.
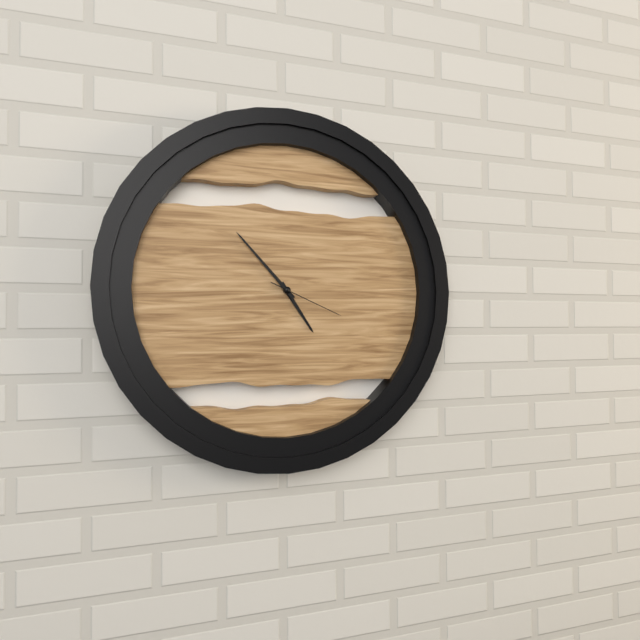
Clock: 4,53,19
